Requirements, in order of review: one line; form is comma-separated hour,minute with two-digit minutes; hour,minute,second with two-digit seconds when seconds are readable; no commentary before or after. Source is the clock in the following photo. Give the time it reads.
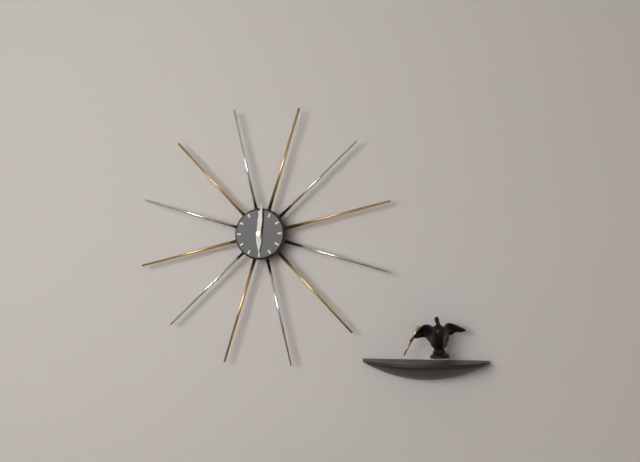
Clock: 6,01
